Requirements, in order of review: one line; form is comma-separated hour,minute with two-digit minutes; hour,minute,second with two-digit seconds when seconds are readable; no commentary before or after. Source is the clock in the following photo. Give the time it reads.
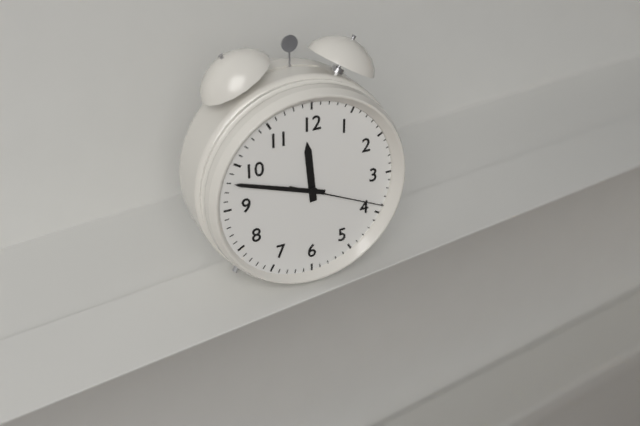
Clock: 11,48,19
